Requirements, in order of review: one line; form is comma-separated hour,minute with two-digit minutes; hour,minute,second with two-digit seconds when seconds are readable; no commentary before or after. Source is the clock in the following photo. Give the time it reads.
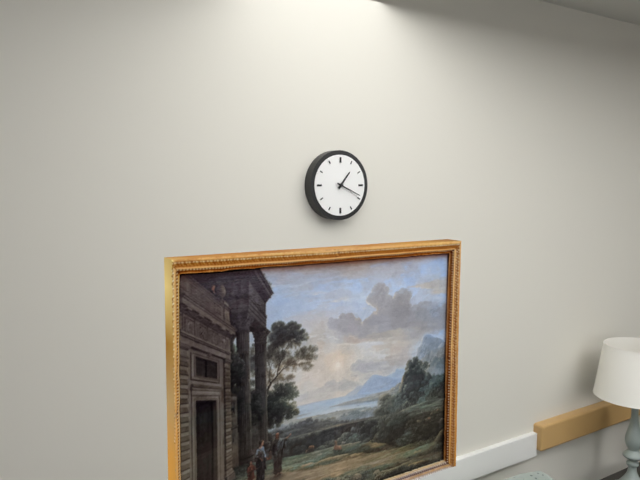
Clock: 1,19
